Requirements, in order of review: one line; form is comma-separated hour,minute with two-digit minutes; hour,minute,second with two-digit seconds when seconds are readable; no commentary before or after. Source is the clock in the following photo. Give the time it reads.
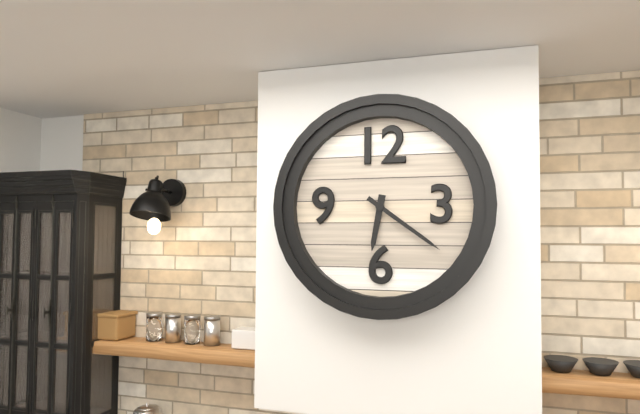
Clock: 6,21
